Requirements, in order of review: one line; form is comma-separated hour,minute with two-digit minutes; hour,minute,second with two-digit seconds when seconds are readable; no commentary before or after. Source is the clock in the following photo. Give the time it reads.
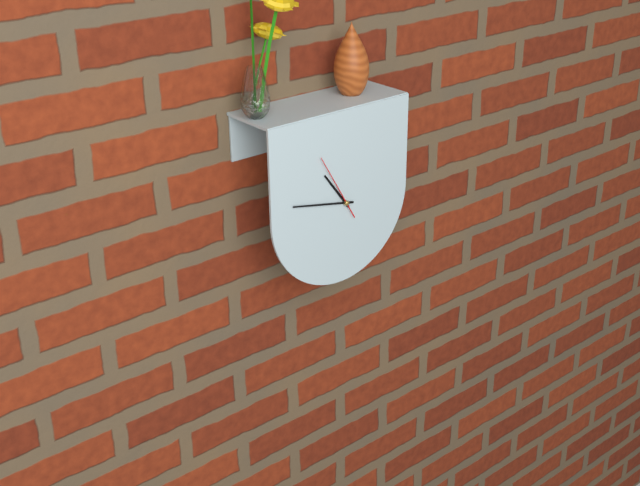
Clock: 10,47,55
